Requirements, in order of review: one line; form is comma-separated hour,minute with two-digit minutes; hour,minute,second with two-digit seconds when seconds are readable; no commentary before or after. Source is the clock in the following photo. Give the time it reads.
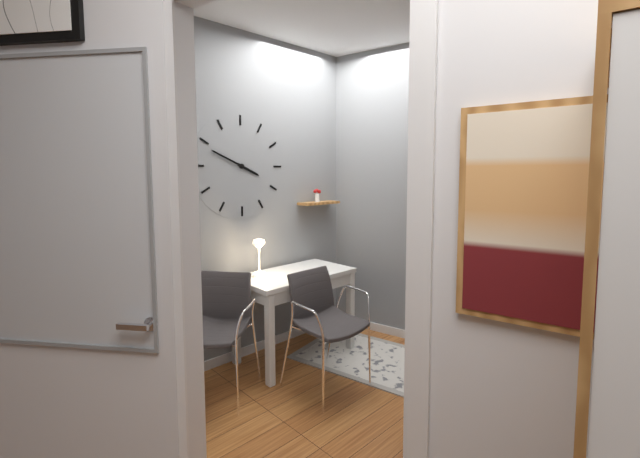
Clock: 3,49
